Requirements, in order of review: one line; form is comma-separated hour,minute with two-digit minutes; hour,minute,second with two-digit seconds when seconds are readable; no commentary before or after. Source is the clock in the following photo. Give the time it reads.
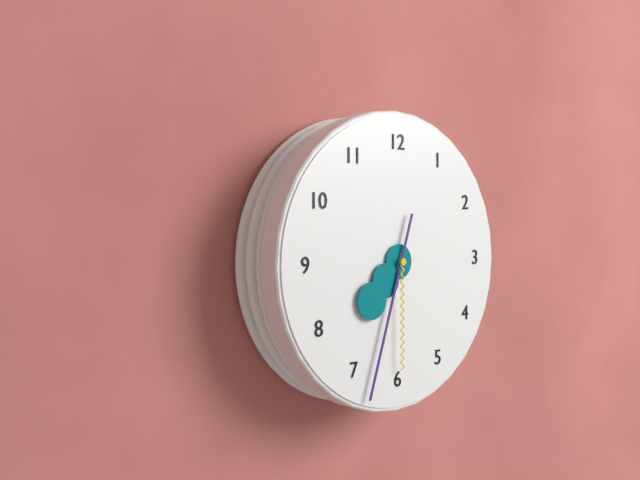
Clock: 7,33,30
